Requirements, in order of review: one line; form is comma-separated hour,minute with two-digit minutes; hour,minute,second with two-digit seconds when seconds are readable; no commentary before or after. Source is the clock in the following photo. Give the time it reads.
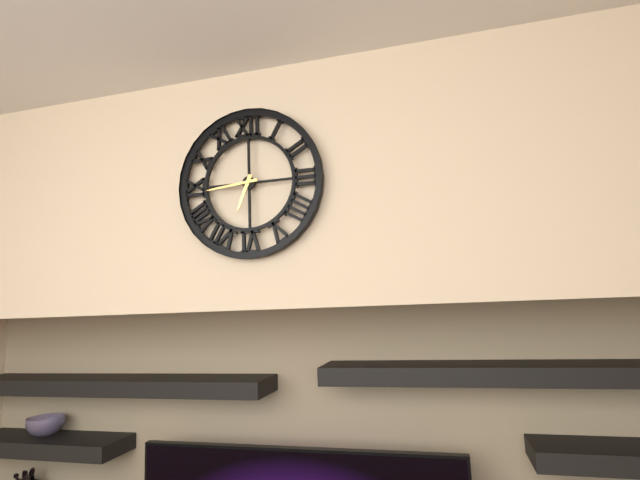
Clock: 6,44
